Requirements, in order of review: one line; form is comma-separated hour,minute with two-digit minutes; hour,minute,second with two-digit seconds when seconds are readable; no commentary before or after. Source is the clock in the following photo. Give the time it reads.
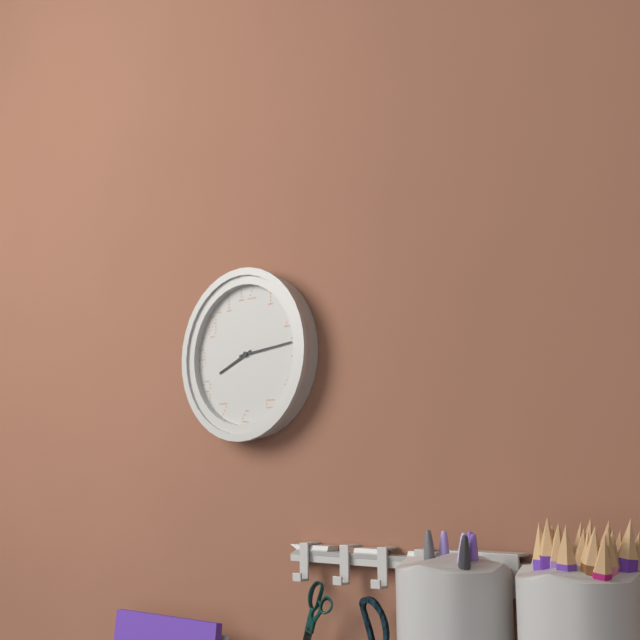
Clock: 8,14
